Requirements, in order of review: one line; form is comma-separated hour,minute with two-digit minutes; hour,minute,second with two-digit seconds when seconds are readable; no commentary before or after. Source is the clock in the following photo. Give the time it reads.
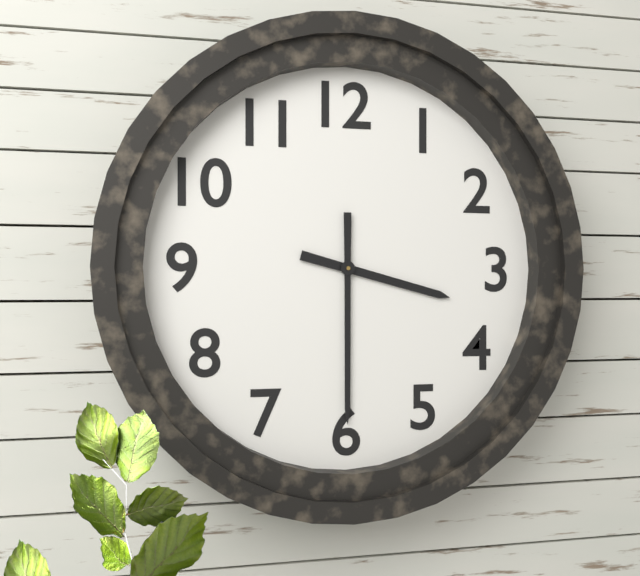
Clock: 3,30
